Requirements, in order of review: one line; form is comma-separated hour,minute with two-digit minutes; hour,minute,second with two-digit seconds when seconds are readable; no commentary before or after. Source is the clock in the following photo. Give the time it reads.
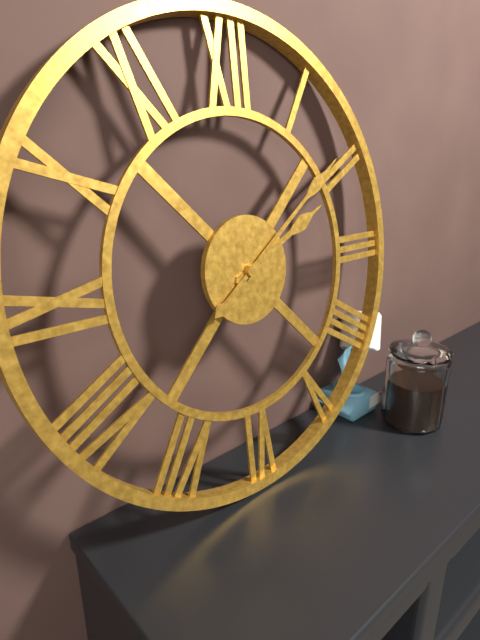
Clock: 2,09
